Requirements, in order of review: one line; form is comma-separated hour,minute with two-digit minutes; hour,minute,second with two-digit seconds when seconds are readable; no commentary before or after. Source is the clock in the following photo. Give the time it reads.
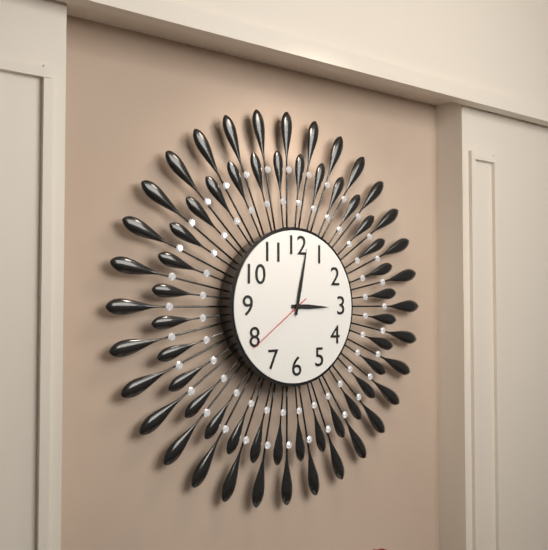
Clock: 3,02,39
